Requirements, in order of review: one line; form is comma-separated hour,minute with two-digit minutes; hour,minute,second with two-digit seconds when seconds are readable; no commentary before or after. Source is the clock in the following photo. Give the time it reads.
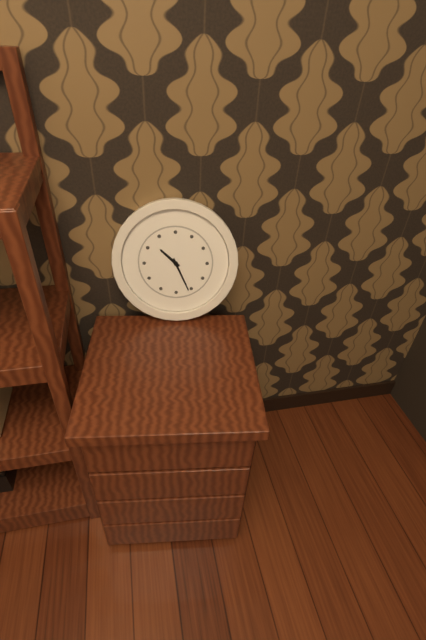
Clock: 10,26
